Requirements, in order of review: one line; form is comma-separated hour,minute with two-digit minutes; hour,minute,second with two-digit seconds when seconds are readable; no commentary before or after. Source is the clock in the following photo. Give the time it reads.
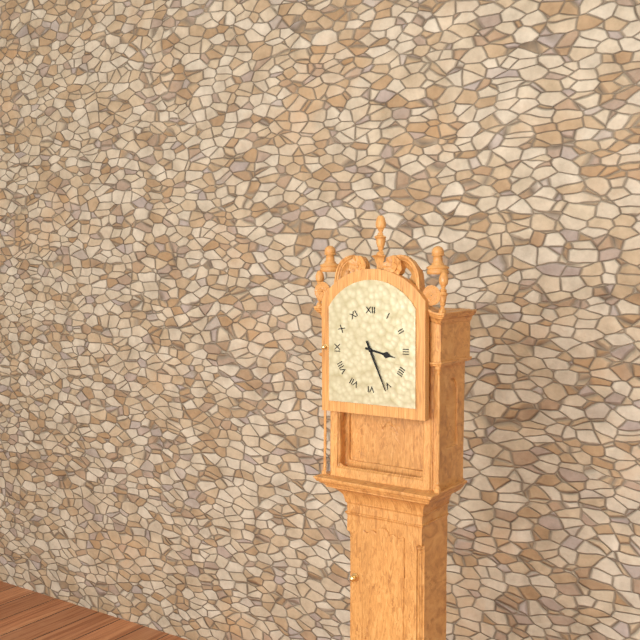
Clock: 3,26
